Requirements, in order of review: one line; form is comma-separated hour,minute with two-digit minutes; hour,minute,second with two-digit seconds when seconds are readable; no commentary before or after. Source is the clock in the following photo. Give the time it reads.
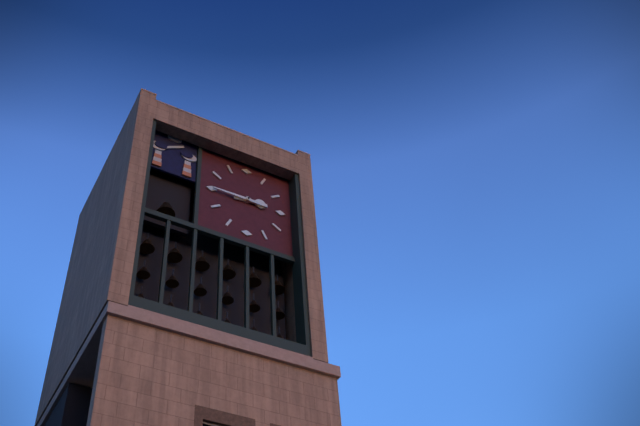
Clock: 2,45
